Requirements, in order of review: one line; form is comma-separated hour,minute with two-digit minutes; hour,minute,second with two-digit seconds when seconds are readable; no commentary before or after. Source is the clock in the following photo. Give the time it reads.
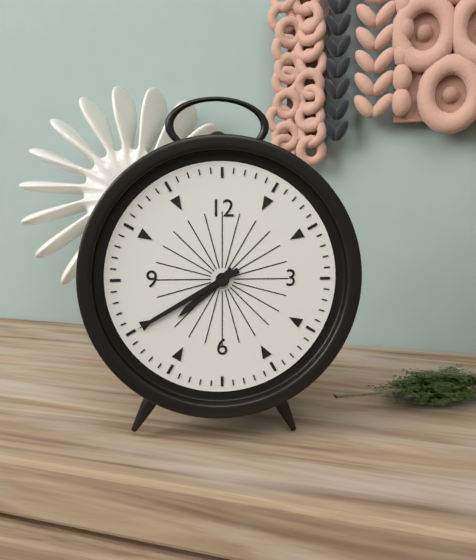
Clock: 7,40
